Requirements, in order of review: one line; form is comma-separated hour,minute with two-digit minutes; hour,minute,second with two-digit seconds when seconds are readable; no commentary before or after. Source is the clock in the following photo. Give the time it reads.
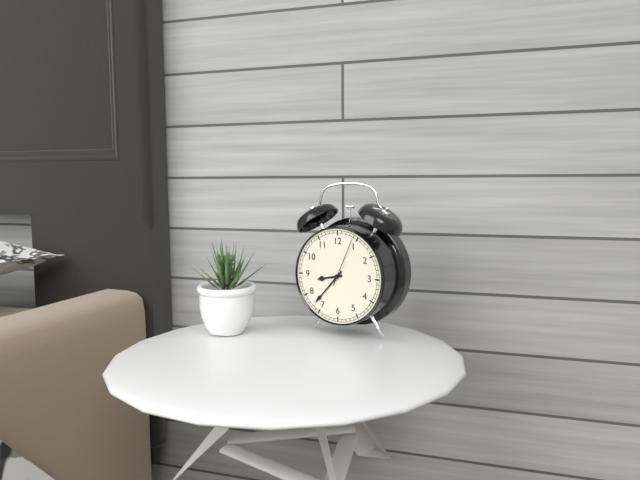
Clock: 8,37
